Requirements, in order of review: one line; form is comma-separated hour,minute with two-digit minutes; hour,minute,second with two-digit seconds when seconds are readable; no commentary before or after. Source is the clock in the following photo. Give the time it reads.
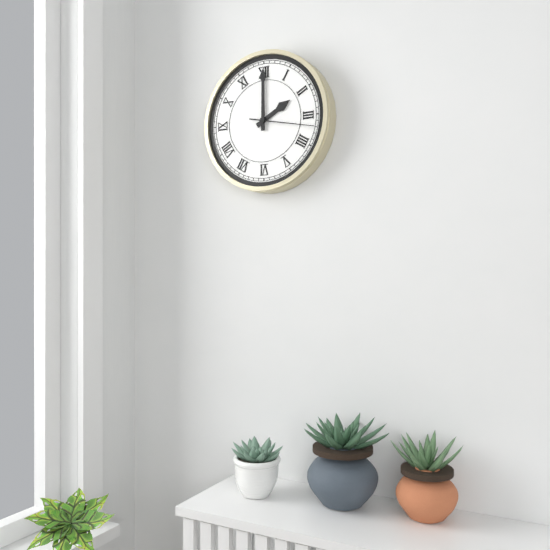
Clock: 2,00,17
